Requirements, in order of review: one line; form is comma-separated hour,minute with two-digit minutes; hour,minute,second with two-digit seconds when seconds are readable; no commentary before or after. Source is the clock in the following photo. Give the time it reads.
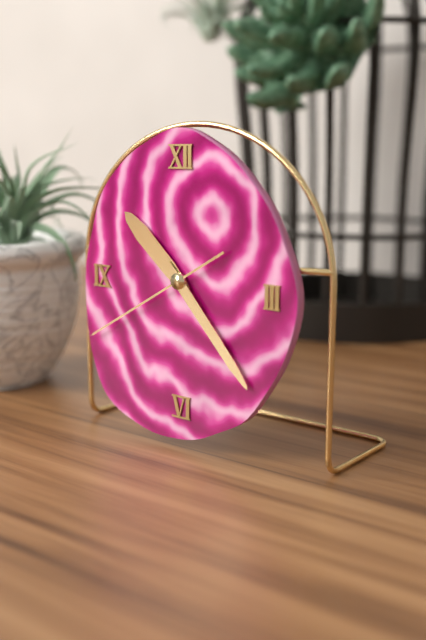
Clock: 10,23,40
